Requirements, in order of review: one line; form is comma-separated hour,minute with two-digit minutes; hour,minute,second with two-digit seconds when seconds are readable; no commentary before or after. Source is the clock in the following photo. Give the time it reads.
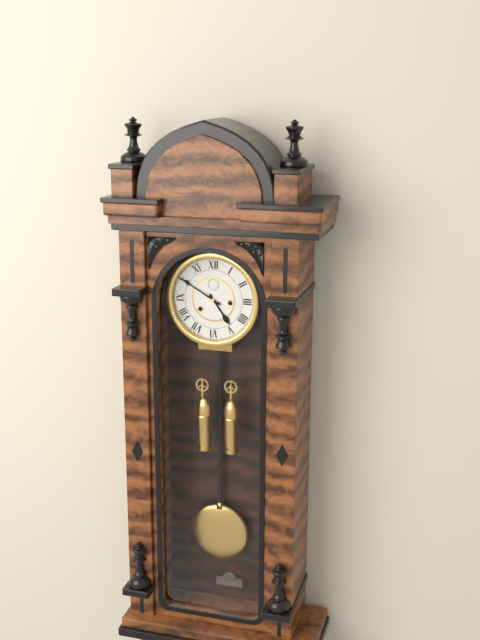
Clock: 4,50
